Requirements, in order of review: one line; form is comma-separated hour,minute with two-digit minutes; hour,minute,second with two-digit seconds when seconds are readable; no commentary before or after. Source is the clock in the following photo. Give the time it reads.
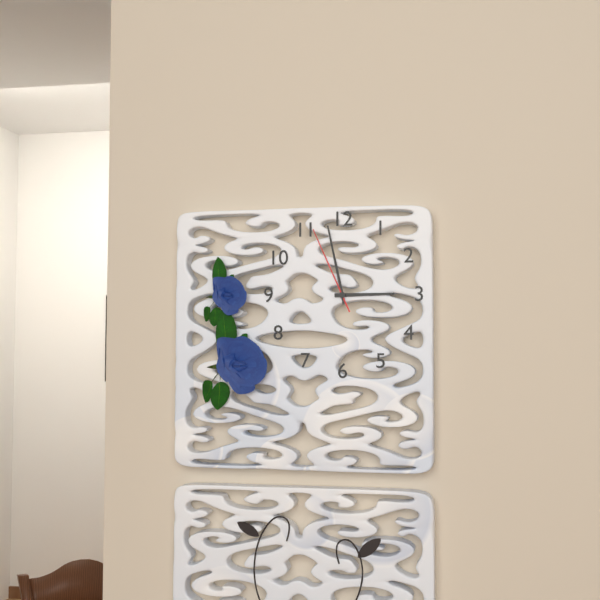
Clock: 2,58,56
